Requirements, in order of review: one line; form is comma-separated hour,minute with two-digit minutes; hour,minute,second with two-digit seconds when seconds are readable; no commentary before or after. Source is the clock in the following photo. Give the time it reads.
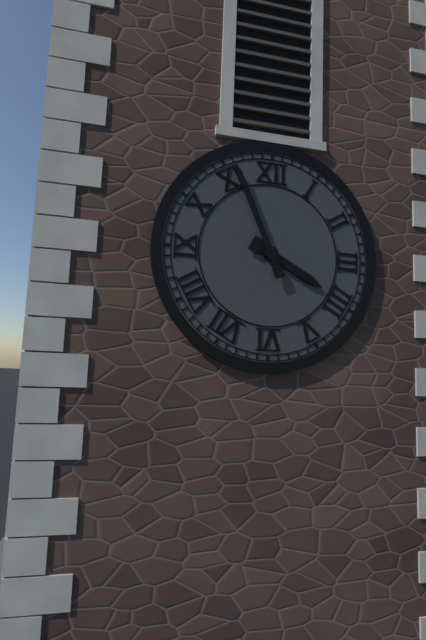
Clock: 3,56
